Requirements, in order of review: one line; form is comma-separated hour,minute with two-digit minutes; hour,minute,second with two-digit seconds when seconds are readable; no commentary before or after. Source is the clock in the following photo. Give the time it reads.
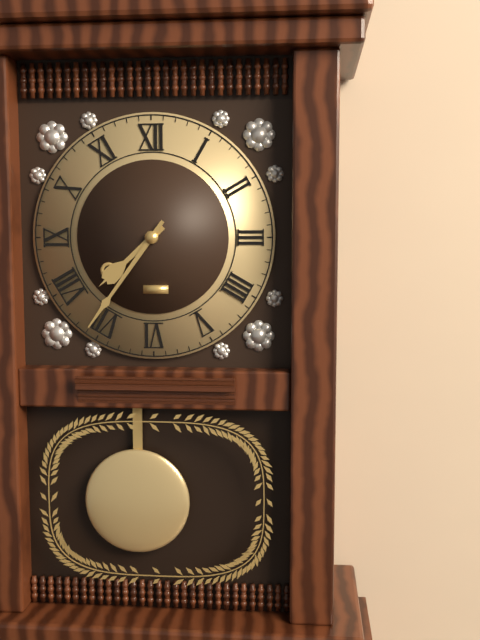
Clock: 7,36
